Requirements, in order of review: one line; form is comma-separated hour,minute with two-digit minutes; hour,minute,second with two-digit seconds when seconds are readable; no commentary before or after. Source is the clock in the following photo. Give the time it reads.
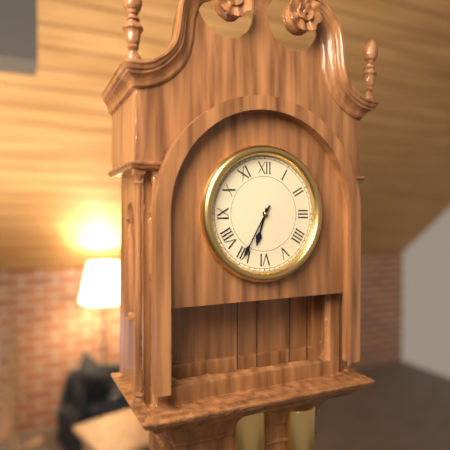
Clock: 6,35
